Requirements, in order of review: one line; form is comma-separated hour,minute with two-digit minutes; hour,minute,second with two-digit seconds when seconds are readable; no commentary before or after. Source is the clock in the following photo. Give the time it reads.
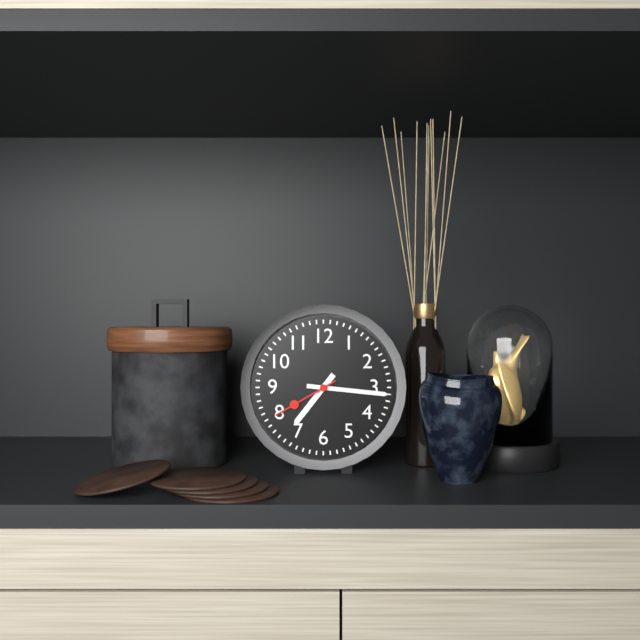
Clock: 7,16,40
